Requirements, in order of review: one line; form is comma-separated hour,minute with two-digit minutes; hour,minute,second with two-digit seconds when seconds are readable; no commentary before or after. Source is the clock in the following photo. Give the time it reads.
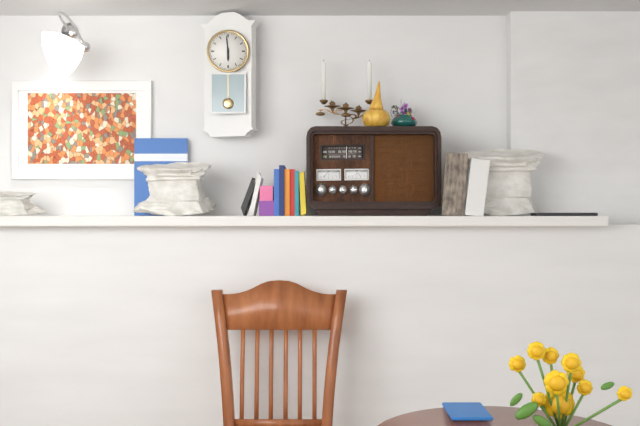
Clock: 5,59
